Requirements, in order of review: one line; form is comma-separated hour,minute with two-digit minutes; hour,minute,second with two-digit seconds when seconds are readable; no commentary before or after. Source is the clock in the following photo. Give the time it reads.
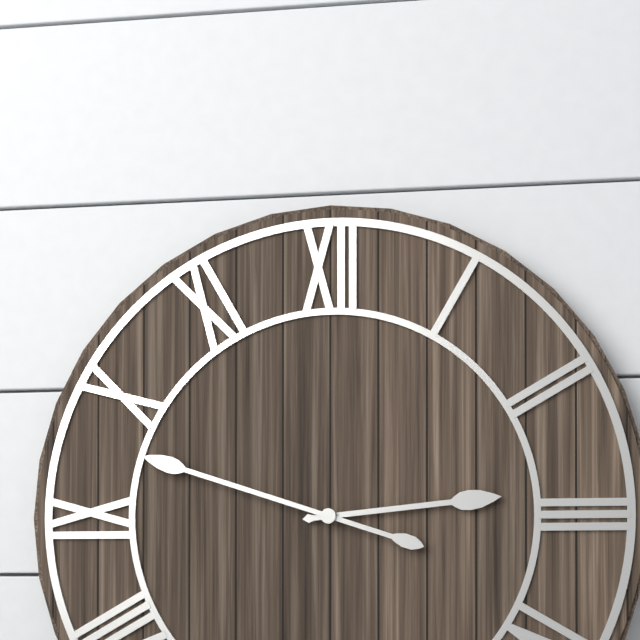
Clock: 2,48
